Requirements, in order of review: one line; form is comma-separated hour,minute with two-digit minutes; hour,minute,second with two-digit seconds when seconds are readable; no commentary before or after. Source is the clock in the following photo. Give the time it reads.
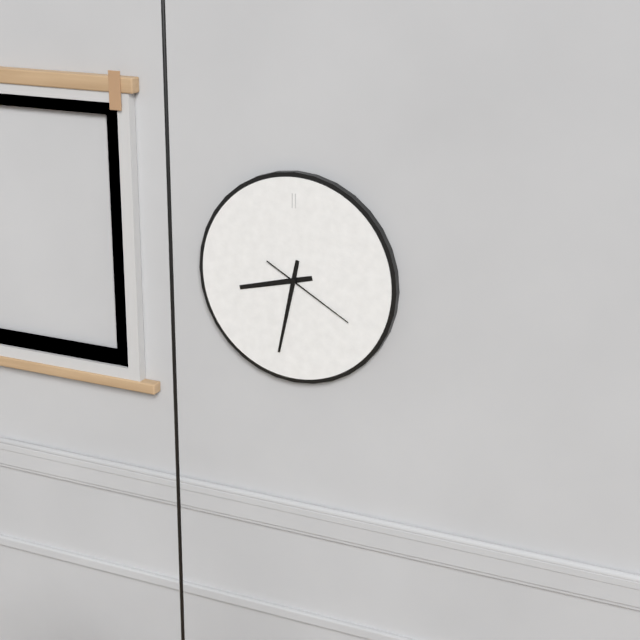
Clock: 8,32,20
